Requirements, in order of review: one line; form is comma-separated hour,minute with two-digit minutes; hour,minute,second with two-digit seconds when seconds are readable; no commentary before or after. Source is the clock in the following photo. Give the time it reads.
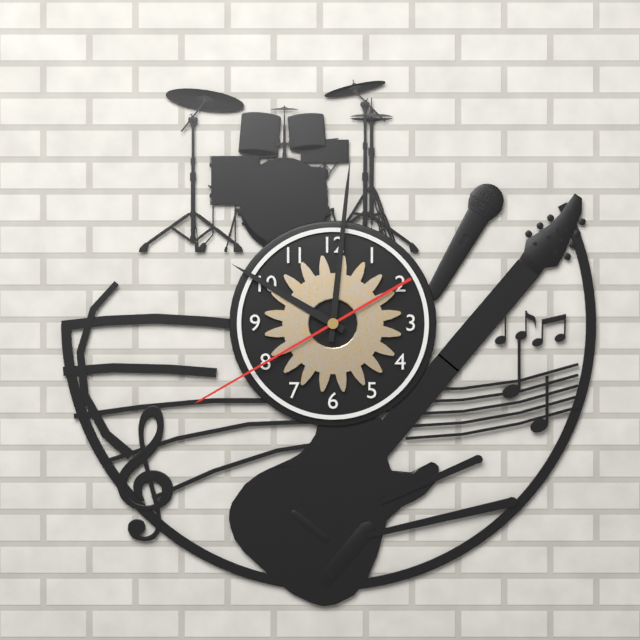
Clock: 10,01,40
